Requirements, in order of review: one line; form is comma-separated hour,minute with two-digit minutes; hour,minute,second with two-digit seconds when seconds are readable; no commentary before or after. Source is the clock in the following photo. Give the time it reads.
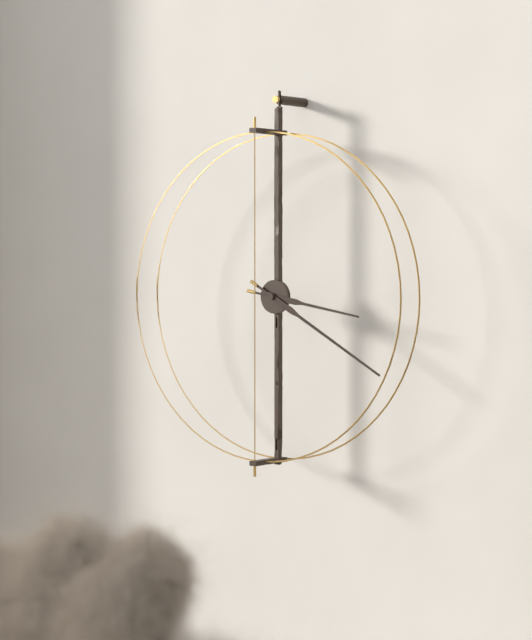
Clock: 3,20
